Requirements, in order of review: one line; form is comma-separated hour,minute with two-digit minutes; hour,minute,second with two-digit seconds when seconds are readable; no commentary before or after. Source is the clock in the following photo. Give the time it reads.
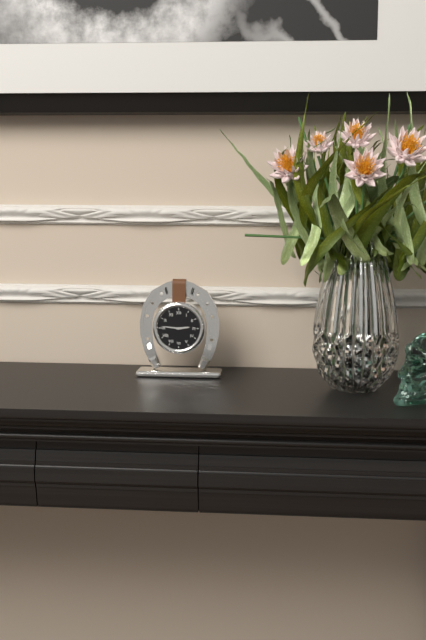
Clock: 2,46
